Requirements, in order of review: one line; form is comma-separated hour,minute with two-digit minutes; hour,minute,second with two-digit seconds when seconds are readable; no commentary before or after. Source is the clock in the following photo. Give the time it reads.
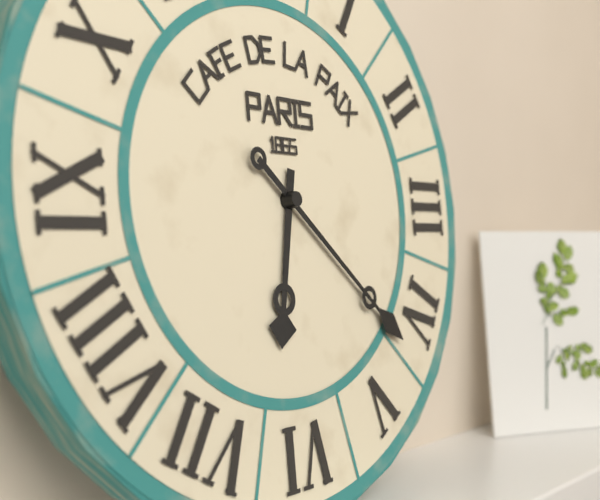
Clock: 6,22
